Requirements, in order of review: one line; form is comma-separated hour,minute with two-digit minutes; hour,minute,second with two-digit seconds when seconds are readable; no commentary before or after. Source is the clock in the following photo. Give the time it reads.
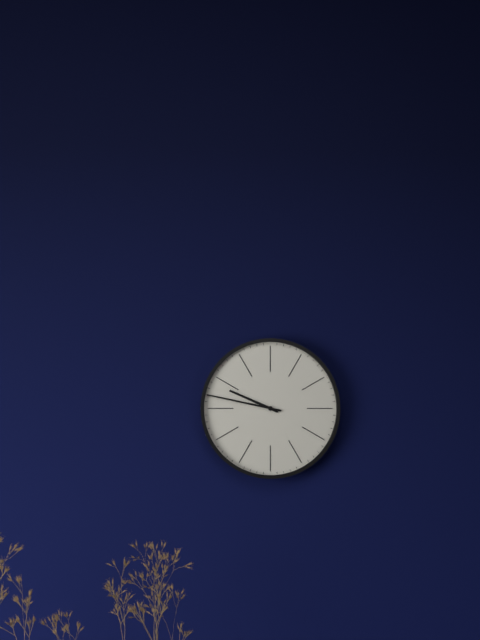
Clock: 9,47
